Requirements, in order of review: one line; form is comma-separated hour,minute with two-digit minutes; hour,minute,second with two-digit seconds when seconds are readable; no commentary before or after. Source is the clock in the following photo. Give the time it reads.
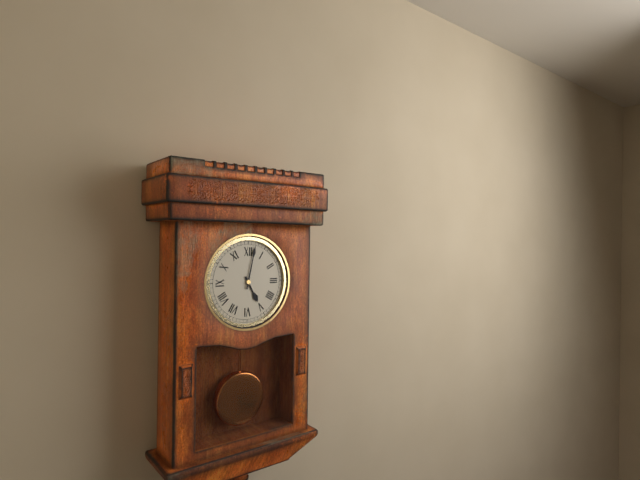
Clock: 5,02
